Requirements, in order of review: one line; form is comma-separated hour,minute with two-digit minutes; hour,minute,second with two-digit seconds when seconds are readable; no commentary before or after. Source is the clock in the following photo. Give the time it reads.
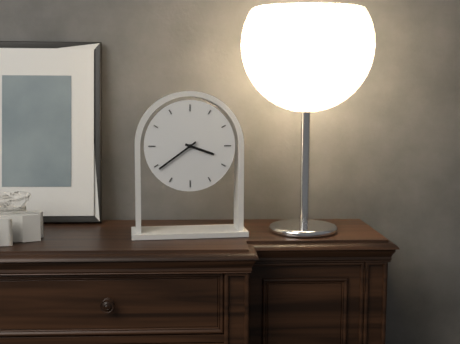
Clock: 3,39
